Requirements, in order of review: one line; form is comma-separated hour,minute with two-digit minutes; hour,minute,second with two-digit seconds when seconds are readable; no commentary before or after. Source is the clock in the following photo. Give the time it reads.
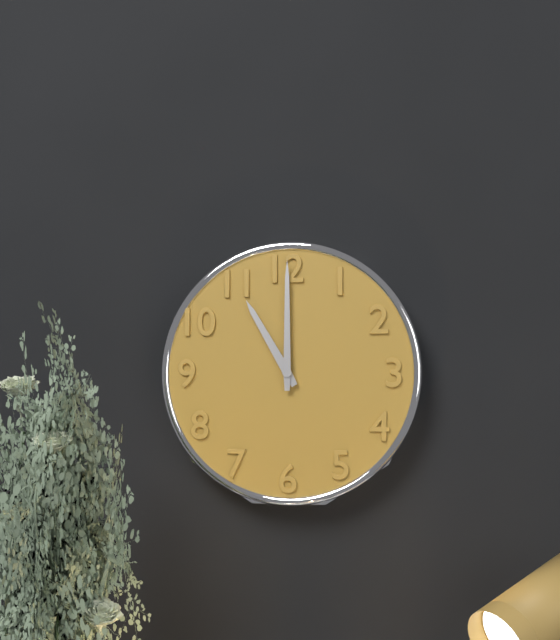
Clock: 11,00
